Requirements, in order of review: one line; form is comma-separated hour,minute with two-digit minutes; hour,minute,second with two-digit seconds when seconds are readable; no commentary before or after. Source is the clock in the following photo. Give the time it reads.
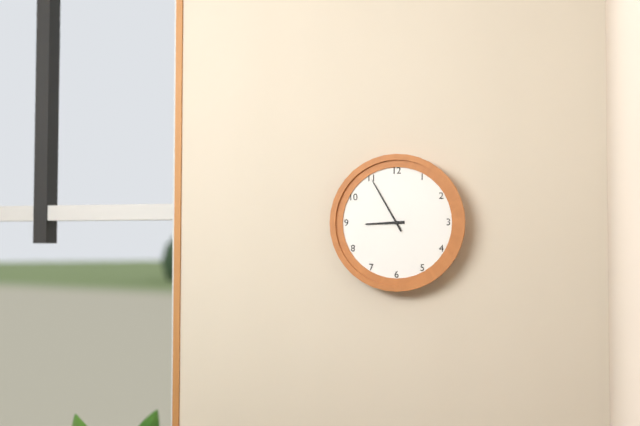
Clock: 8,55
